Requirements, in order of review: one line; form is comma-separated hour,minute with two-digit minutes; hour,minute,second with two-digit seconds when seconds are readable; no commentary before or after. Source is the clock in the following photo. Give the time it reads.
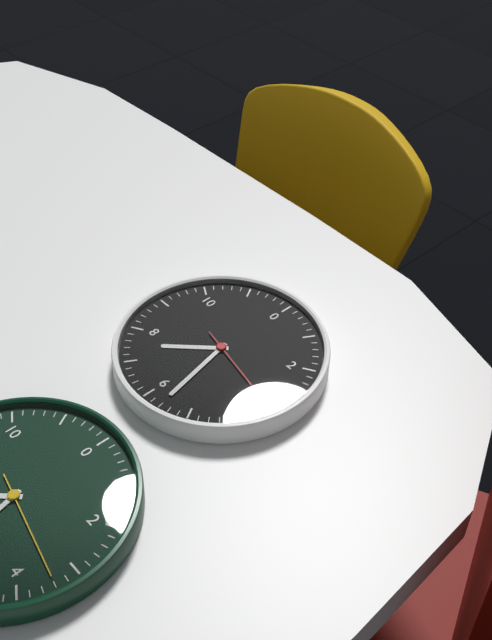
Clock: 7,28,17
